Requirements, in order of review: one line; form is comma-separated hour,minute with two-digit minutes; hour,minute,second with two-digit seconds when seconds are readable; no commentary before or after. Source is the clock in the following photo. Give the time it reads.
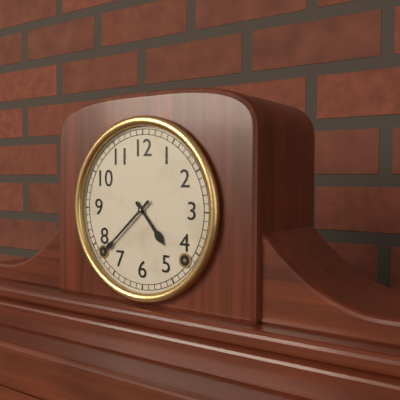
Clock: 4,38
